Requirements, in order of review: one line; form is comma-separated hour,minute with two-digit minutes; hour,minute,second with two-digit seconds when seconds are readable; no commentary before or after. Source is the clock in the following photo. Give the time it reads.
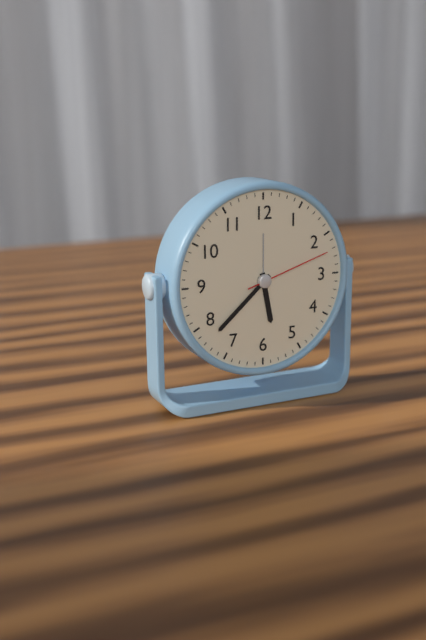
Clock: 5,38,12
